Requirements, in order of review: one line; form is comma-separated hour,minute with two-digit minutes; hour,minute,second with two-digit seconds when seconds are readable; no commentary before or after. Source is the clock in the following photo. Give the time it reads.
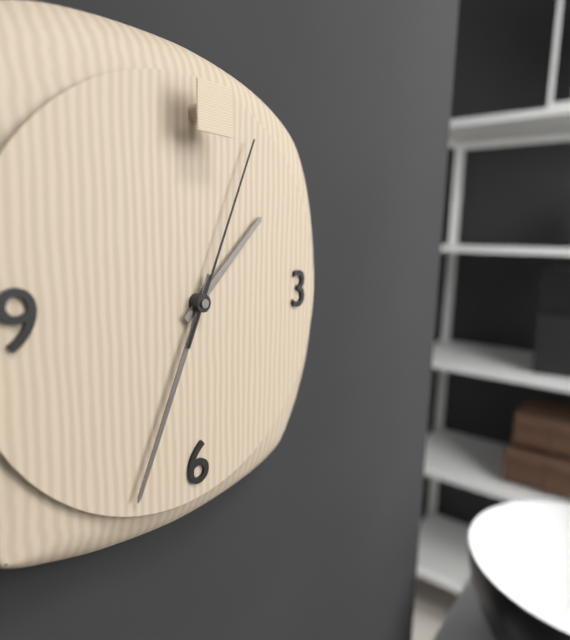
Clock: 1,34,04
